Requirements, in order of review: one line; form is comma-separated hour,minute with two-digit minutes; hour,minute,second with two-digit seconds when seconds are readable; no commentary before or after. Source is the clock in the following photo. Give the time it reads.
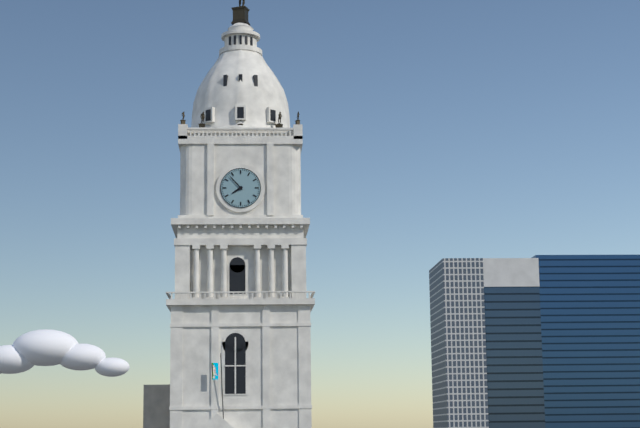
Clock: 7,53
